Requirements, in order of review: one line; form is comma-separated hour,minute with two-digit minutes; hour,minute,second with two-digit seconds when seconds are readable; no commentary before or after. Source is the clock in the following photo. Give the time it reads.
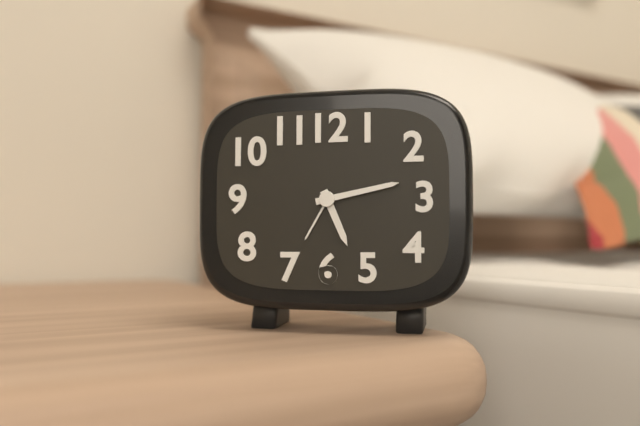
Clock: 5,13
